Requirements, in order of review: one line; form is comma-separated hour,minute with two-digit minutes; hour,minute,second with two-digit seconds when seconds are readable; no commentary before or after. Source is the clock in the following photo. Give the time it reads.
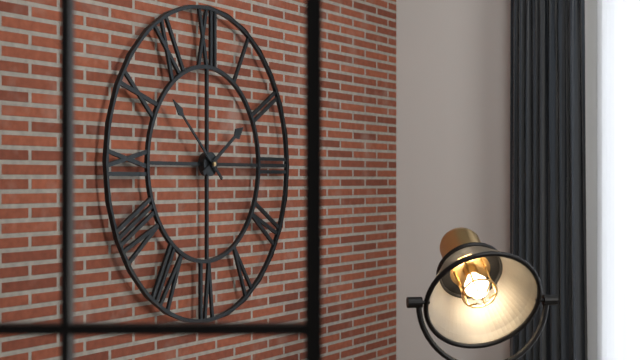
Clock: 1,52
